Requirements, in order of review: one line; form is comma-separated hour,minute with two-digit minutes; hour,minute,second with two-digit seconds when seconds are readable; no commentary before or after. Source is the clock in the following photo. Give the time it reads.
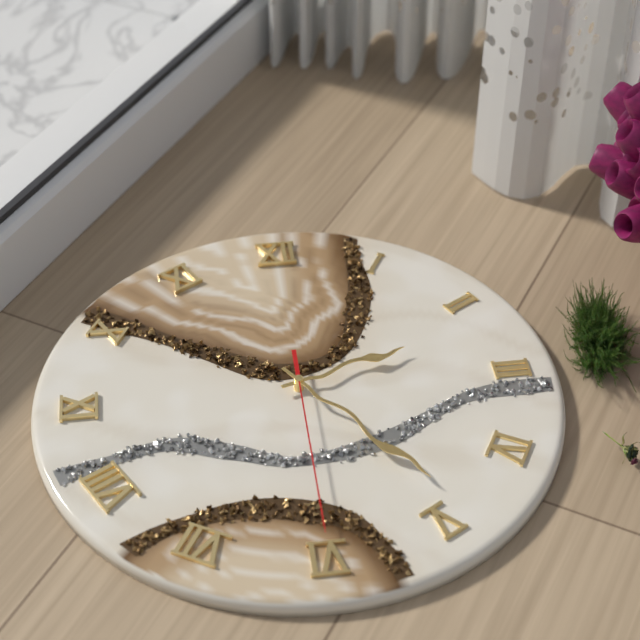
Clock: 2,24,30
